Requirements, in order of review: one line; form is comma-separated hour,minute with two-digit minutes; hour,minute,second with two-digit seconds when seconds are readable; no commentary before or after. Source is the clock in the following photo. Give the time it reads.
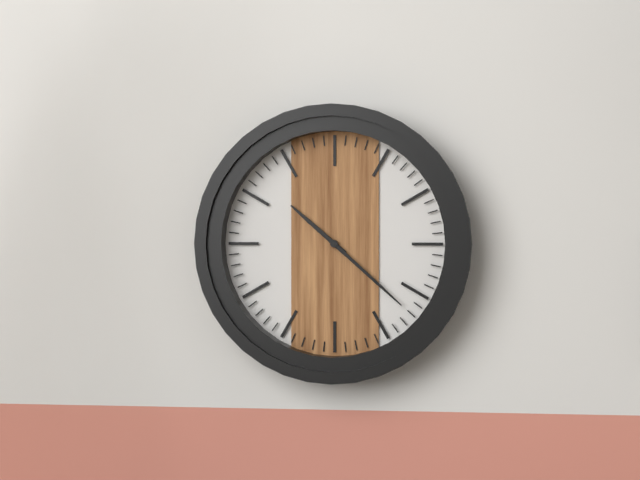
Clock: 10,22
